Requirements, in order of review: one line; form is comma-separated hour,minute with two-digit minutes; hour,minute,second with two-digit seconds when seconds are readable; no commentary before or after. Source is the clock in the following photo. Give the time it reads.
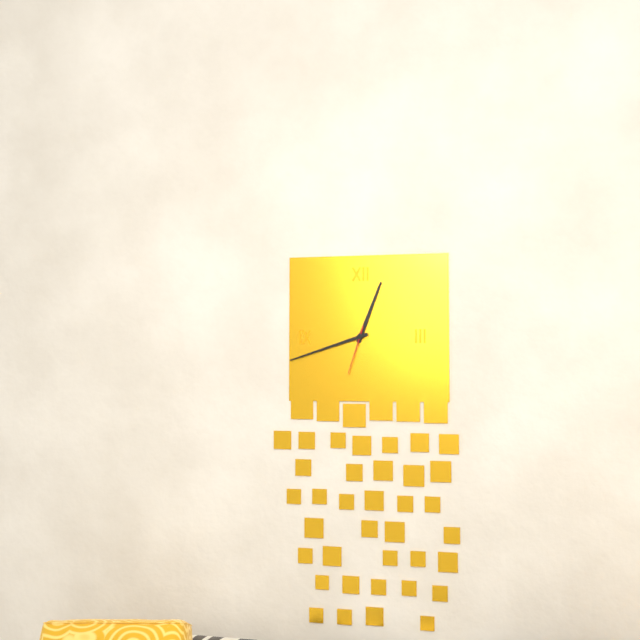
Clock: 12,42,33
